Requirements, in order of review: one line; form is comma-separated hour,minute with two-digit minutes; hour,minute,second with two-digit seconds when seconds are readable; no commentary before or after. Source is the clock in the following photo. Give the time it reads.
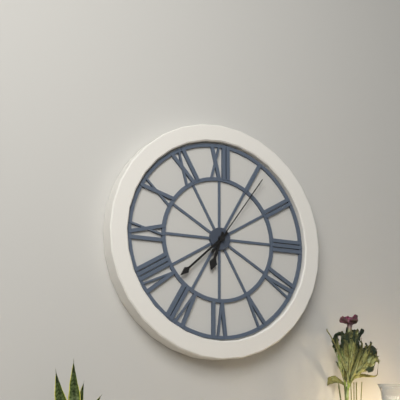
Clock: 6,38,06
